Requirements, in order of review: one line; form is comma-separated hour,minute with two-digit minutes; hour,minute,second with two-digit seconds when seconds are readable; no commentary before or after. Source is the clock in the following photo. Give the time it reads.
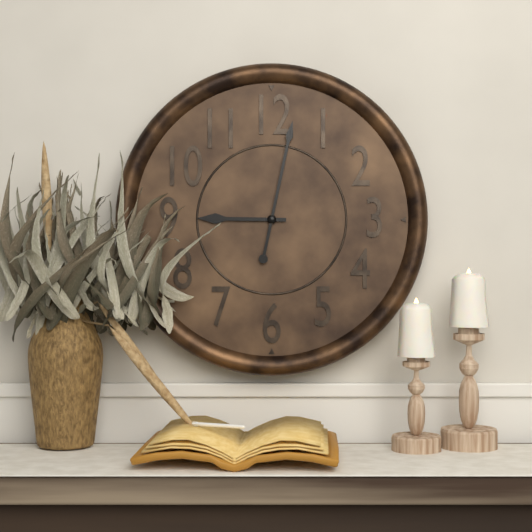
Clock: 9,02
